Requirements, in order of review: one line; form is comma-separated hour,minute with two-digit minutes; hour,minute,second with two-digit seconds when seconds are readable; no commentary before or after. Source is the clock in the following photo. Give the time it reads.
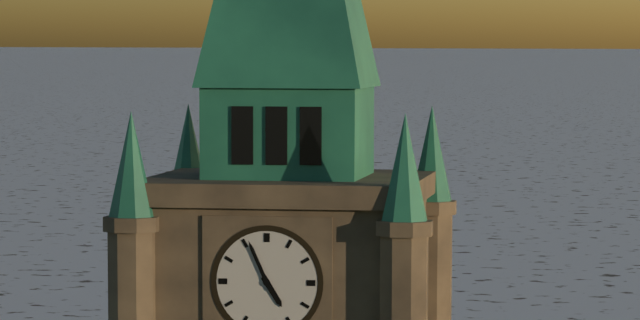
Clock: 4,56
